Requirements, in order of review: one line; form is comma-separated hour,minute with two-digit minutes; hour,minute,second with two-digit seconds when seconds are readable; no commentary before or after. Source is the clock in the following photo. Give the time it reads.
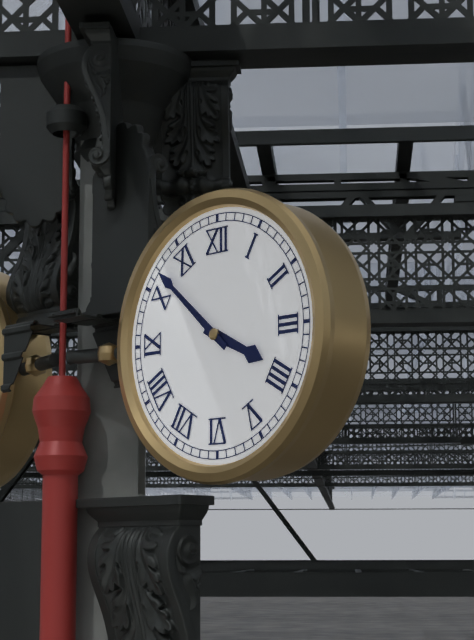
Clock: 3,52
